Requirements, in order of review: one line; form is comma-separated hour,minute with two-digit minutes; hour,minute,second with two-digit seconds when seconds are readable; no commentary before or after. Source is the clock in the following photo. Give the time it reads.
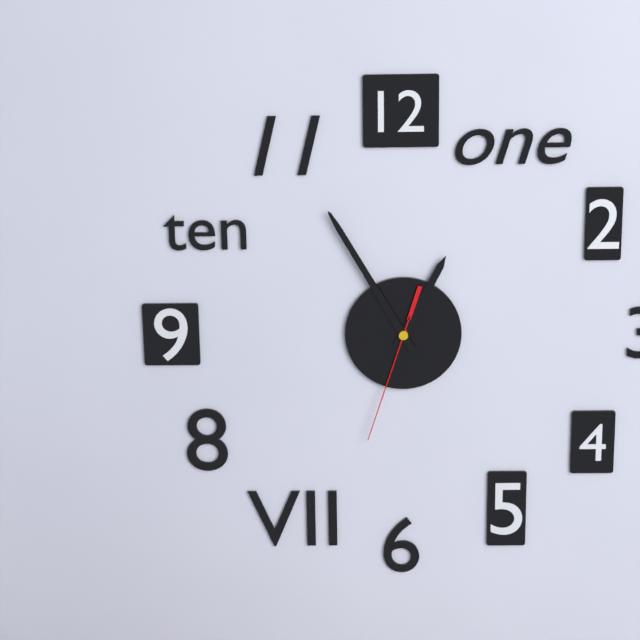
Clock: 12,55,33
